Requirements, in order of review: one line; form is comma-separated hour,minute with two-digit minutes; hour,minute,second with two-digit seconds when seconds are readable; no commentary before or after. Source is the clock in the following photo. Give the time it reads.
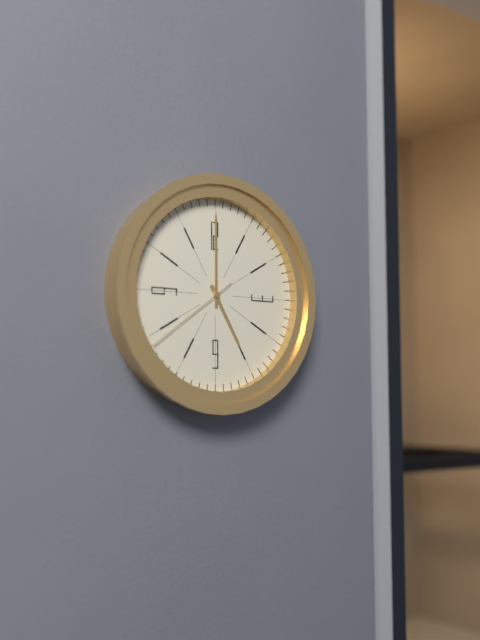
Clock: 5,00,39
